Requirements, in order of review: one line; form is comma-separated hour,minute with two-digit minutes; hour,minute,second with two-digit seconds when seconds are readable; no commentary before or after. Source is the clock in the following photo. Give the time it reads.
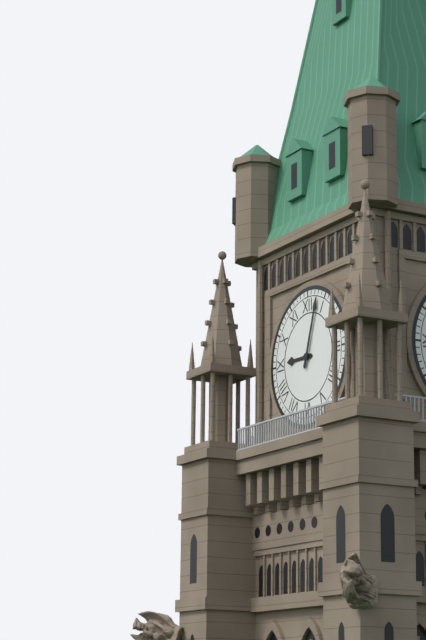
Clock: 9,03
